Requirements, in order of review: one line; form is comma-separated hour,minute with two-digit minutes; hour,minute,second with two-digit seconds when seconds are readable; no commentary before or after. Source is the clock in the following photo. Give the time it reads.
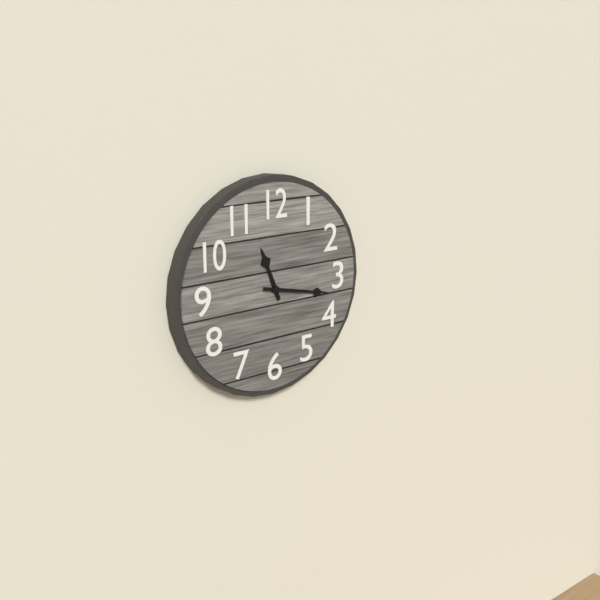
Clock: 11,17
